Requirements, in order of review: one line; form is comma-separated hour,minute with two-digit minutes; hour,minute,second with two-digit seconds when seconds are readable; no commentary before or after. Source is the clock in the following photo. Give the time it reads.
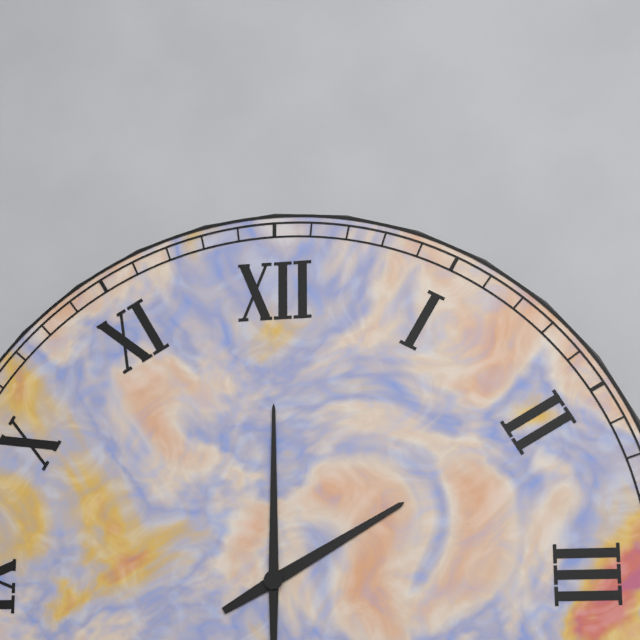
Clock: 2,00
